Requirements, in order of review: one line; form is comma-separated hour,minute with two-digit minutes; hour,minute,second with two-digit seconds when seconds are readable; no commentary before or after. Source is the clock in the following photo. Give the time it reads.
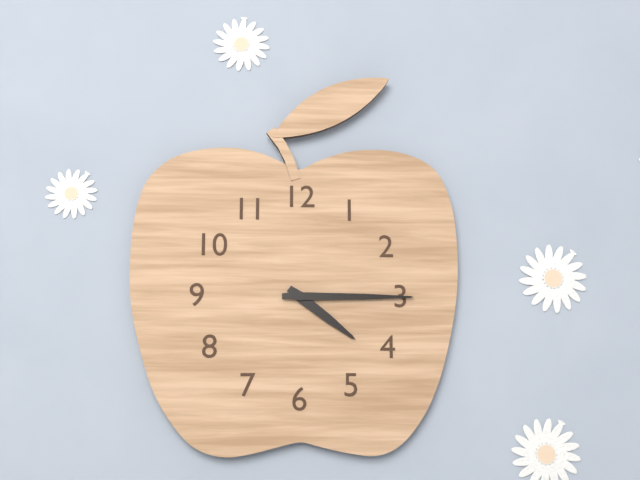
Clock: 4,15
